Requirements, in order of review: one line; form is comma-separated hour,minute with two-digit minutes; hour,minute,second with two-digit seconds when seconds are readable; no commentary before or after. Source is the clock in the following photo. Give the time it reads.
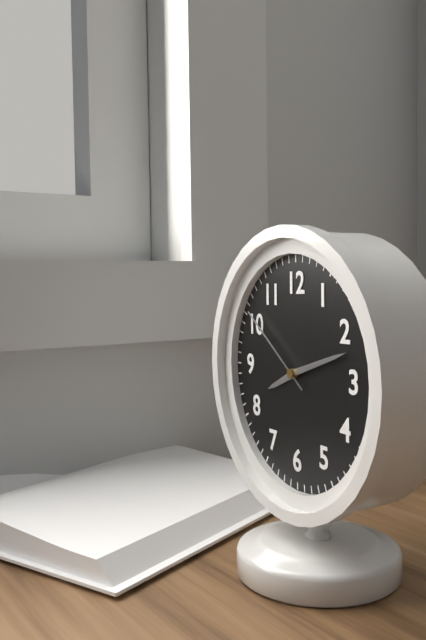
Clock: 8,12,51
